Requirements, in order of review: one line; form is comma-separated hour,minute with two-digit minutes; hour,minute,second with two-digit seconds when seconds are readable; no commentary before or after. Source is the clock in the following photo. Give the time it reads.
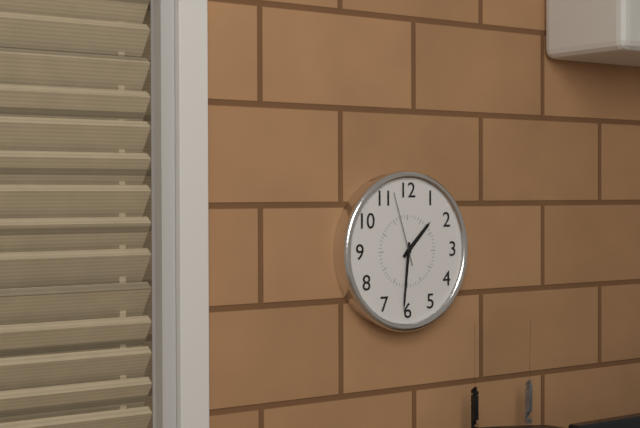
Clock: 1,31,57
